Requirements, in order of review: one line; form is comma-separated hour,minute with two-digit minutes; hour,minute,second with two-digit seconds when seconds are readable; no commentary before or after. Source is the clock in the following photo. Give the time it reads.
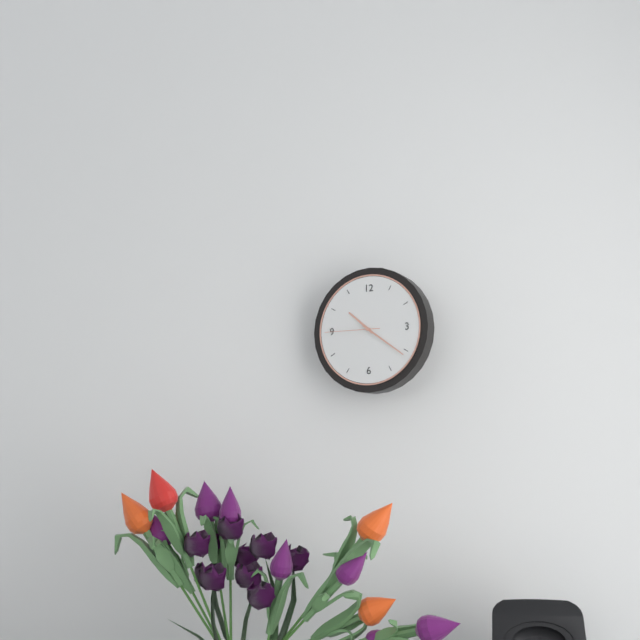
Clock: 10,21,45
